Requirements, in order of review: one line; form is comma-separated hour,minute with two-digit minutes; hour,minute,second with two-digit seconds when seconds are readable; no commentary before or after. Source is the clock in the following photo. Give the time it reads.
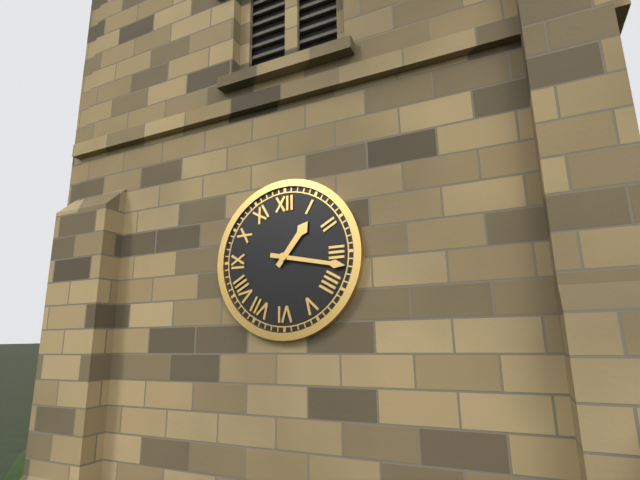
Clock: 1,17
